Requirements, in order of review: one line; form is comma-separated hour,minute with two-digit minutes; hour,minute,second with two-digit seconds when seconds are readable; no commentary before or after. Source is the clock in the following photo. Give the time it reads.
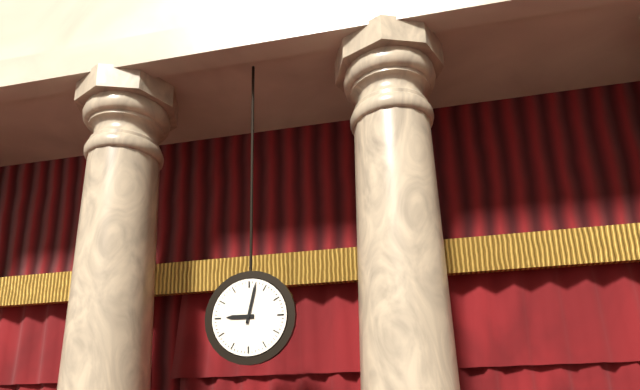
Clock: 9,02
